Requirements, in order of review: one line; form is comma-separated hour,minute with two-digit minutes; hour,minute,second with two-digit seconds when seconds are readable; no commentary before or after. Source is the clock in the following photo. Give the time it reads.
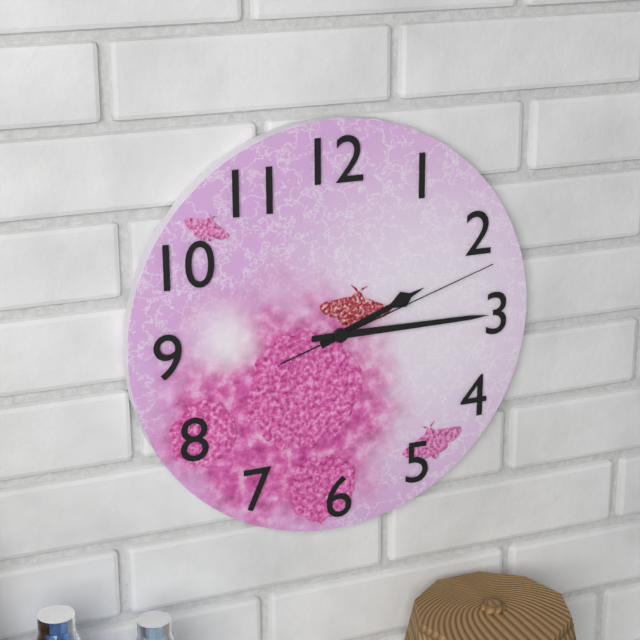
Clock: 2,15,12
